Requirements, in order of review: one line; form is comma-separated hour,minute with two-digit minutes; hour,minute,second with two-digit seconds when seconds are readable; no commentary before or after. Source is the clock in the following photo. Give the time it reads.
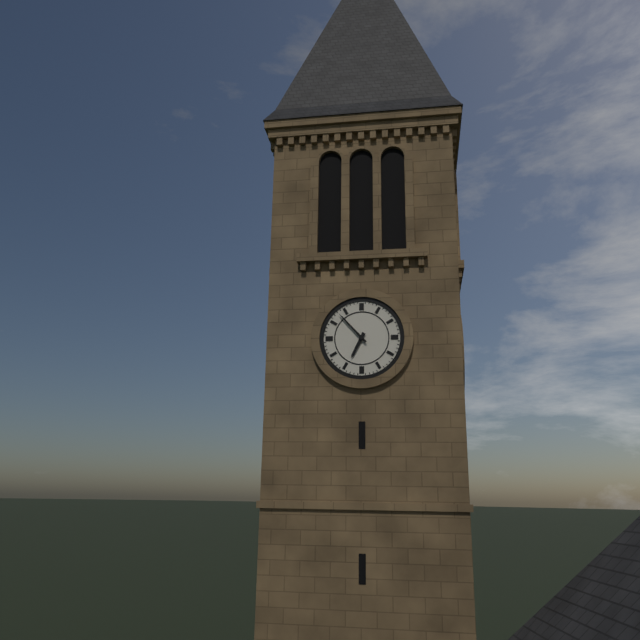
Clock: 6,53
